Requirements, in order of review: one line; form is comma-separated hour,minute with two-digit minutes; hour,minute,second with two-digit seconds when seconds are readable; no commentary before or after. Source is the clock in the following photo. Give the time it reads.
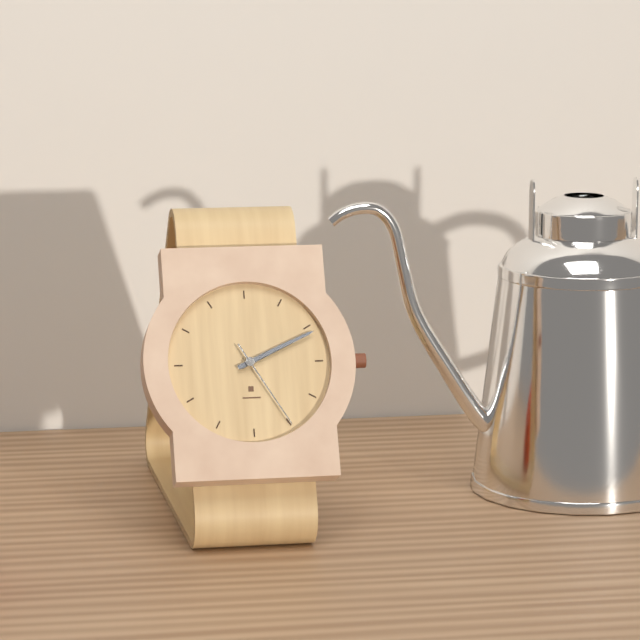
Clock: 2,11,25
